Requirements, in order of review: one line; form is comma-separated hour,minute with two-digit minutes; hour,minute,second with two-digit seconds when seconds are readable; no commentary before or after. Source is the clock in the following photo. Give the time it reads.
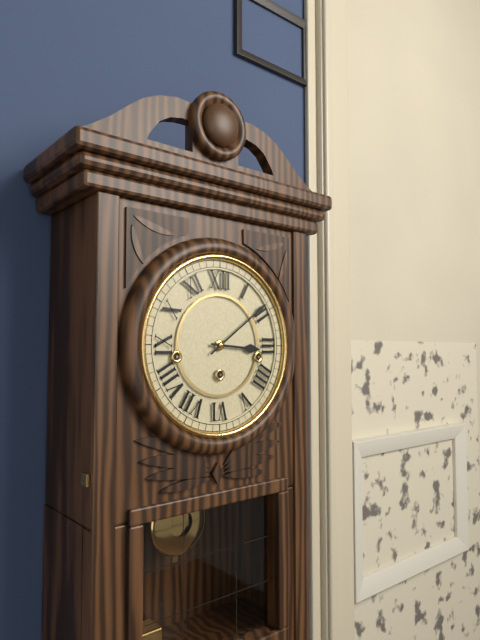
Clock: 3,09
